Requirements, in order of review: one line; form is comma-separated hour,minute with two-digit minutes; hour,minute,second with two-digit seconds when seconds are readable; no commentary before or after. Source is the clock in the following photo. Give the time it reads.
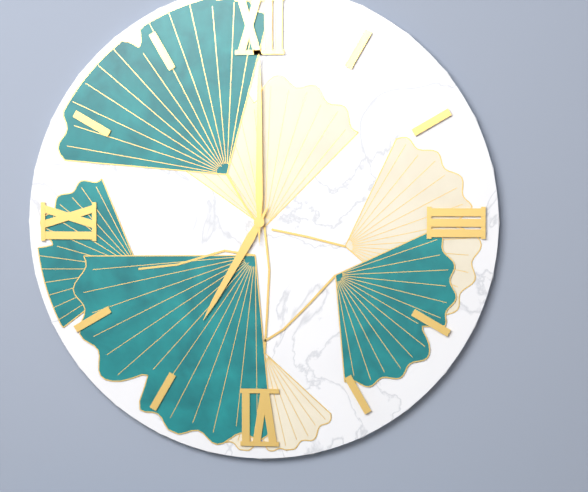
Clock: 7,00
